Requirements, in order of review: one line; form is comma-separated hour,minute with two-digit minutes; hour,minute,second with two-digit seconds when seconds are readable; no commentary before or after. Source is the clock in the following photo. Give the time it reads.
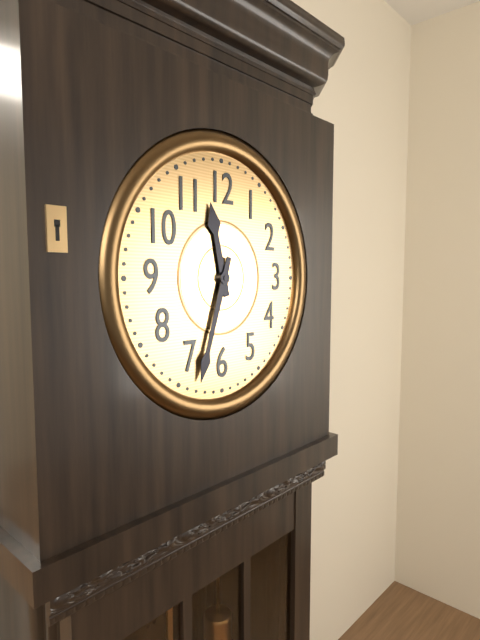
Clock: 11,33
